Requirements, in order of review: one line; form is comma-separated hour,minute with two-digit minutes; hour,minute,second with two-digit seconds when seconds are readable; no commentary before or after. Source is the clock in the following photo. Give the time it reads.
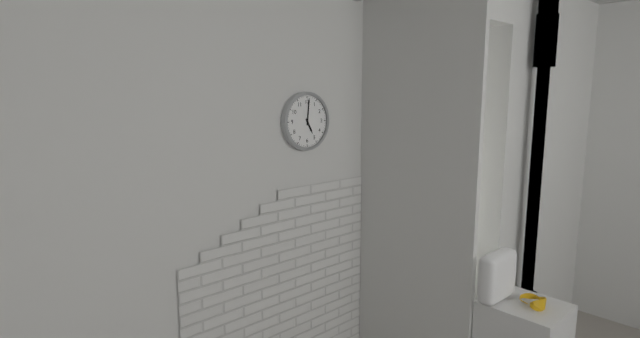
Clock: 5,01
